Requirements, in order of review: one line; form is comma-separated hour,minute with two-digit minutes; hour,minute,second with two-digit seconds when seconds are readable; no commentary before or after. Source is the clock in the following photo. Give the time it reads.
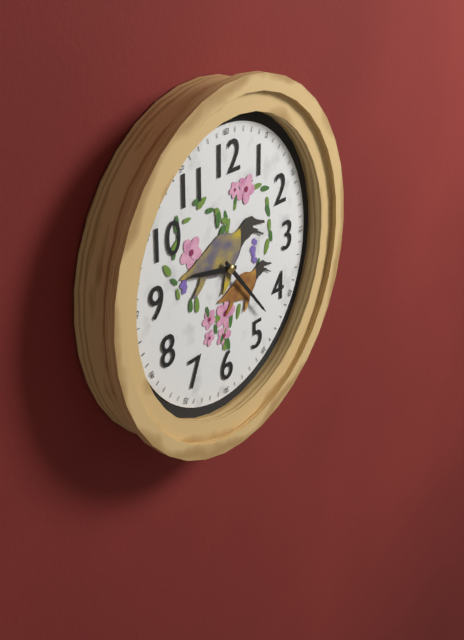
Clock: 9,23
